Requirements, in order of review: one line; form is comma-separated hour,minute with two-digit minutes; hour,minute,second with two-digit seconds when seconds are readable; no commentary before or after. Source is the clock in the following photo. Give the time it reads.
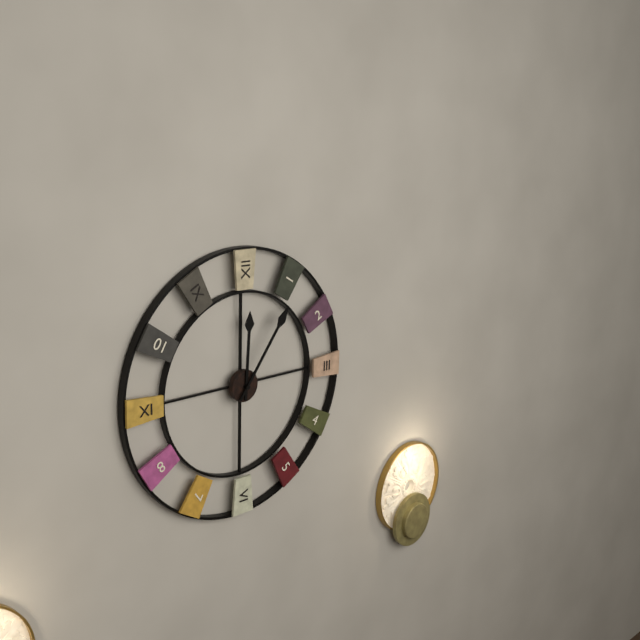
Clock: 12,06
